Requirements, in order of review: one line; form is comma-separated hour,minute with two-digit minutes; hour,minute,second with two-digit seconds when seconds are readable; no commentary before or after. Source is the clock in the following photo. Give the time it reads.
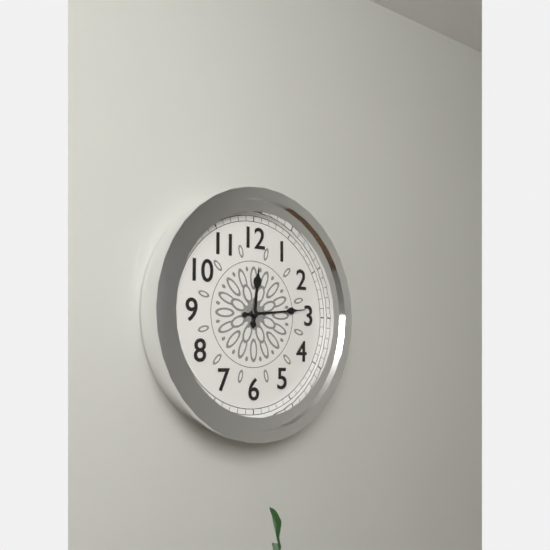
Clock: 12,14
